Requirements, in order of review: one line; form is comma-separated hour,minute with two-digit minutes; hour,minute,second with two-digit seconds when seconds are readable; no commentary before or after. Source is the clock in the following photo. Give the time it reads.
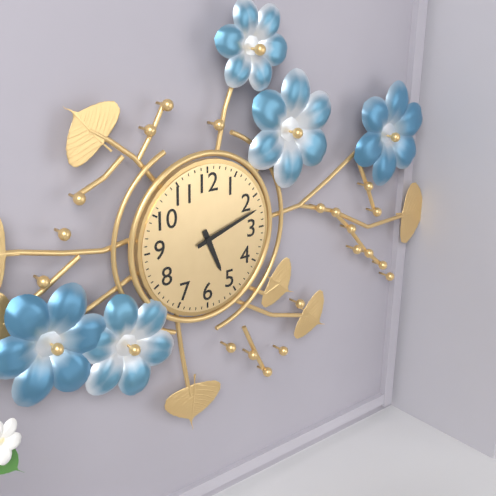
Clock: 5,12
